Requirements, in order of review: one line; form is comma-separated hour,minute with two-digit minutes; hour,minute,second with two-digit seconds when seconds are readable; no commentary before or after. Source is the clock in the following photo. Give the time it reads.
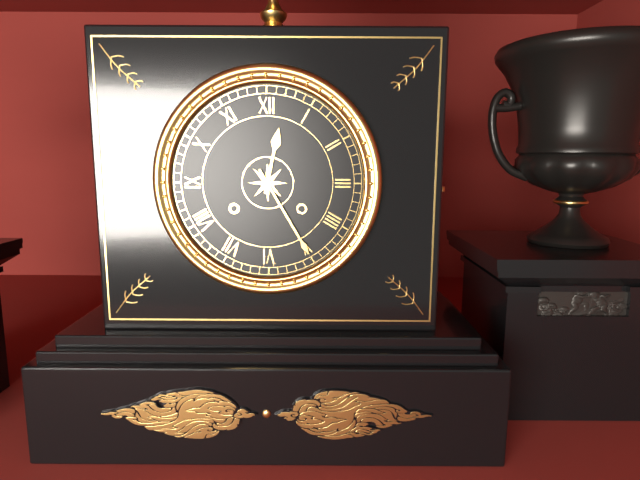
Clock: 12,25
